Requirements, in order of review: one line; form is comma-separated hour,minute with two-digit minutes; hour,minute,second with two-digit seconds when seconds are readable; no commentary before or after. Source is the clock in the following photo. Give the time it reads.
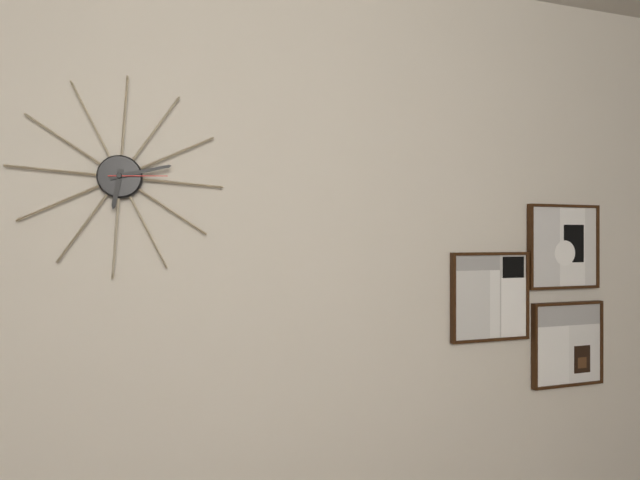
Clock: 6,12,14
